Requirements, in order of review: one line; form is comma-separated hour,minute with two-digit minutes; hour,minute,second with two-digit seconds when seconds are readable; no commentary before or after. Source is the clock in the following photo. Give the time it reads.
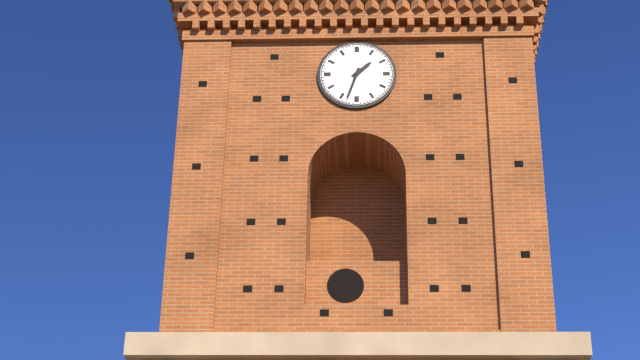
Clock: 1,33
